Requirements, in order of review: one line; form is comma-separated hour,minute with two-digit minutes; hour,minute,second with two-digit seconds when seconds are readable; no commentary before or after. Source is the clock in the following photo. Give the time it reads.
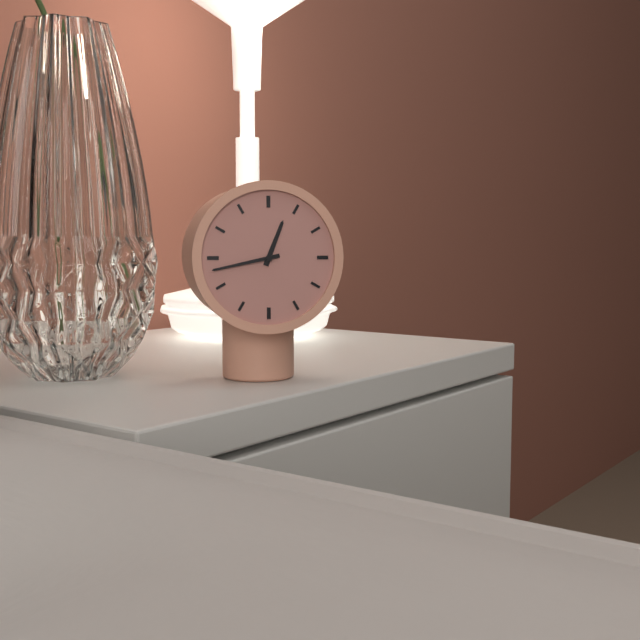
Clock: 12,43
